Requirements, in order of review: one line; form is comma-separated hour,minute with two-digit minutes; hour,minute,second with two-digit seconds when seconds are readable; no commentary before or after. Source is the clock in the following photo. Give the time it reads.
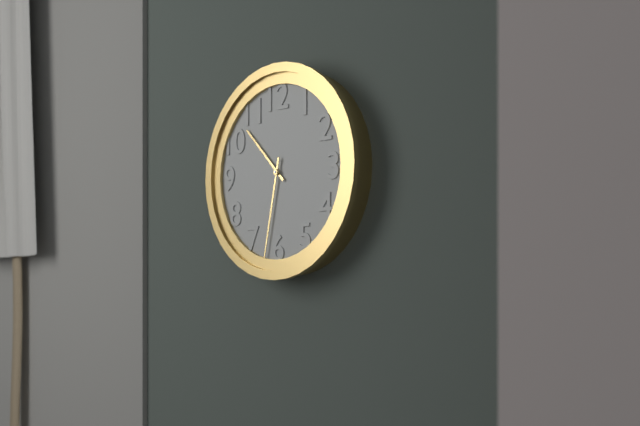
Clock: 10,32
